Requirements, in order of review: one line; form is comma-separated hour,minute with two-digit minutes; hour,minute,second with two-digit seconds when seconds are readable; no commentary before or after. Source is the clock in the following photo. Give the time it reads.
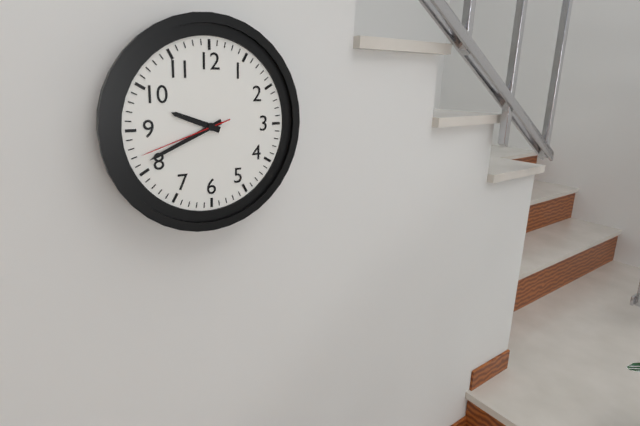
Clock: 9,41,42
